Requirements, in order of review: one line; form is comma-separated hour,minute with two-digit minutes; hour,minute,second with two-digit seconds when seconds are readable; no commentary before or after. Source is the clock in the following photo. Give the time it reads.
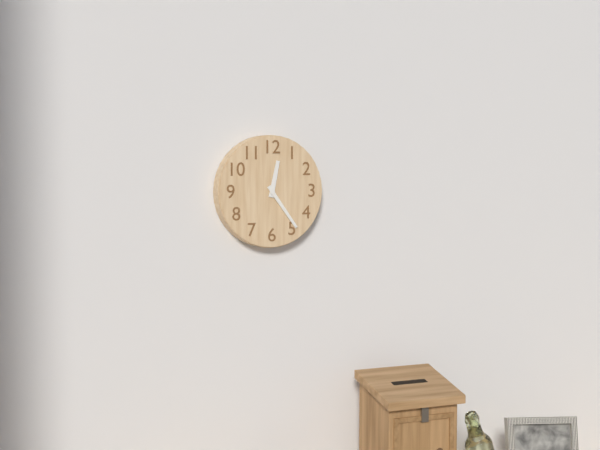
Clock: 12,24
